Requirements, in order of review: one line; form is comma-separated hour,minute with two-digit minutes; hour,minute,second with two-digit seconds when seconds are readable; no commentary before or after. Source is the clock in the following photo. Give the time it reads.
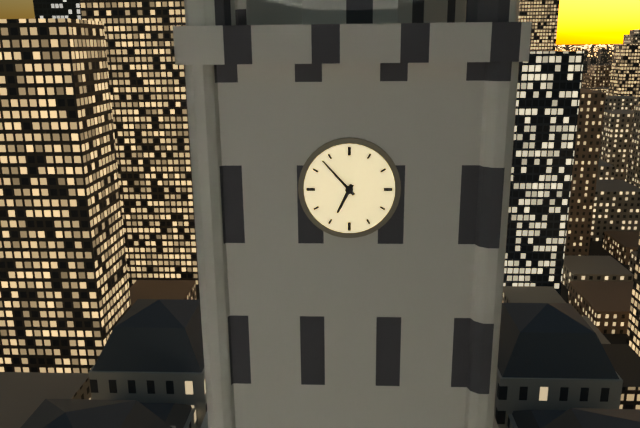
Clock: 6,53
